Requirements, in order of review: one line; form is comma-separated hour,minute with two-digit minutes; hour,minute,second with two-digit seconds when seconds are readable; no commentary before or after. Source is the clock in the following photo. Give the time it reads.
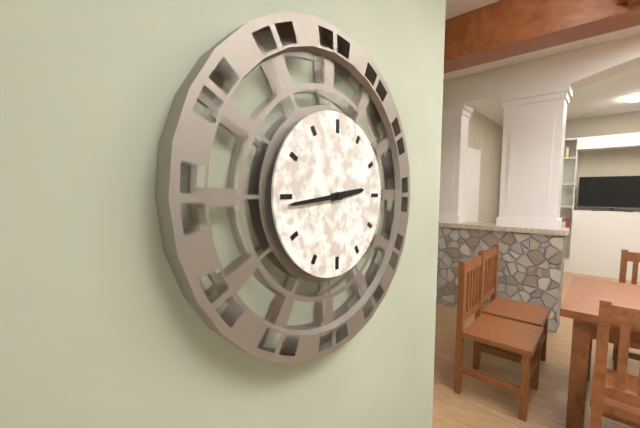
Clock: 2,44
